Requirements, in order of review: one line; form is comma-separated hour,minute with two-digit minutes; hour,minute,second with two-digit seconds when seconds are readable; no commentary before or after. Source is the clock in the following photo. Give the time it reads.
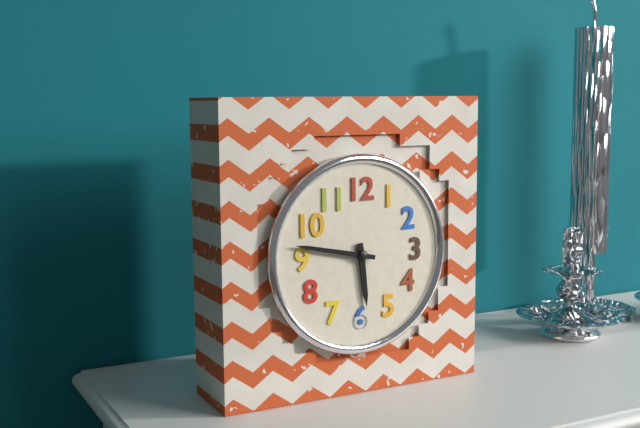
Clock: 5,47
